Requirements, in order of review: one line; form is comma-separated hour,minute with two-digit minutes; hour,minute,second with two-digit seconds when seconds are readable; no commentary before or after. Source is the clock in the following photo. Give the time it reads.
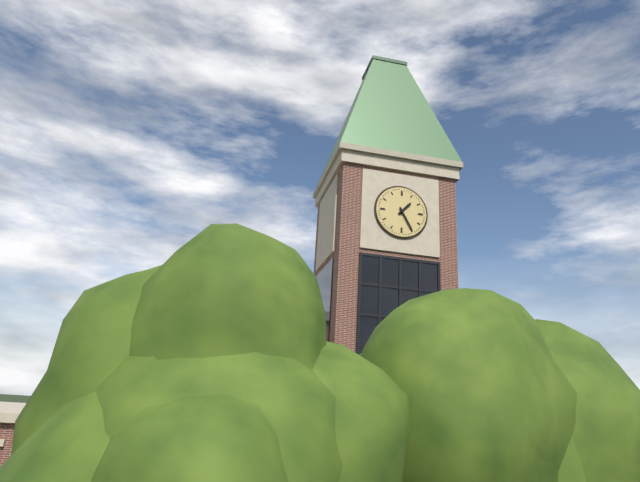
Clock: 1,25
